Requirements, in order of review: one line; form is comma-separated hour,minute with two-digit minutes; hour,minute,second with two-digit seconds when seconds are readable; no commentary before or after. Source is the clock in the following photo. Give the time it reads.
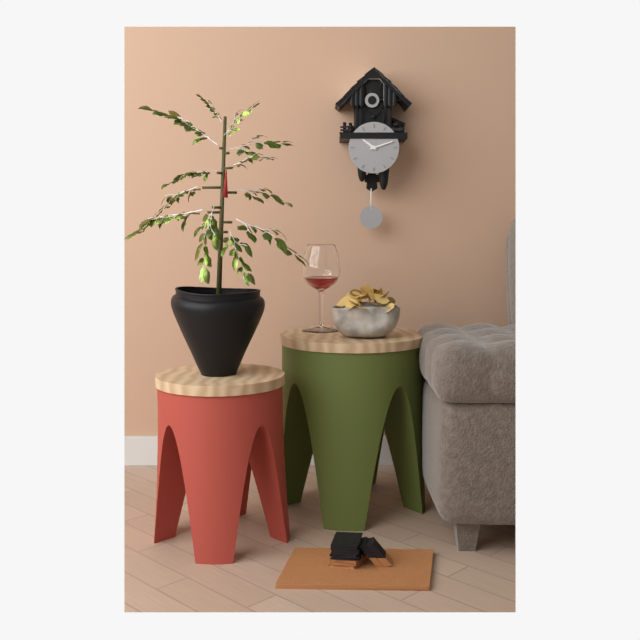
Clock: 10,12
